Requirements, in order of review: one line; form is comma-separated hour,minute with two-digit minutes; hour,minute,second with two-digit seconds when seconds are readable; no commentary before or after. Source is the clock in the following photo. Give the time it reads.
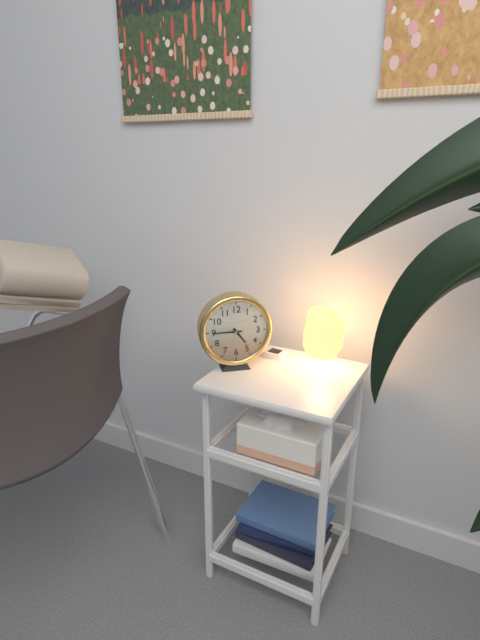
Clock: 4,45
